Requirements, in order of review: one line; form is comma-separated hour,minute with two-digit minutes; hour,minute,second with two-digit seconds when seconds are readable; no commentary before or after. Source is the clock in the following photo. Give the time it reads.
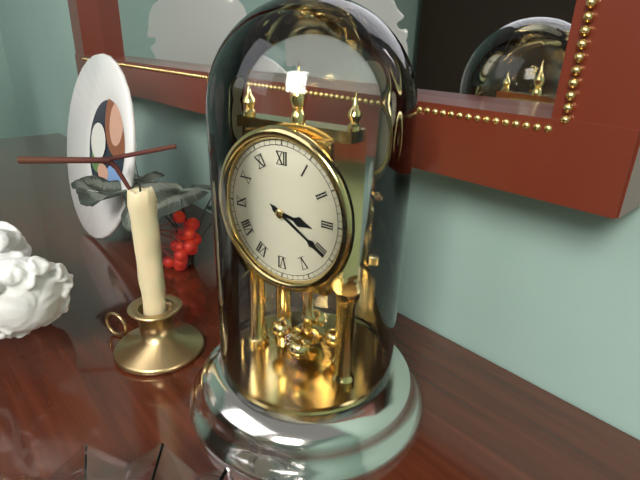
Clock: 3,20
